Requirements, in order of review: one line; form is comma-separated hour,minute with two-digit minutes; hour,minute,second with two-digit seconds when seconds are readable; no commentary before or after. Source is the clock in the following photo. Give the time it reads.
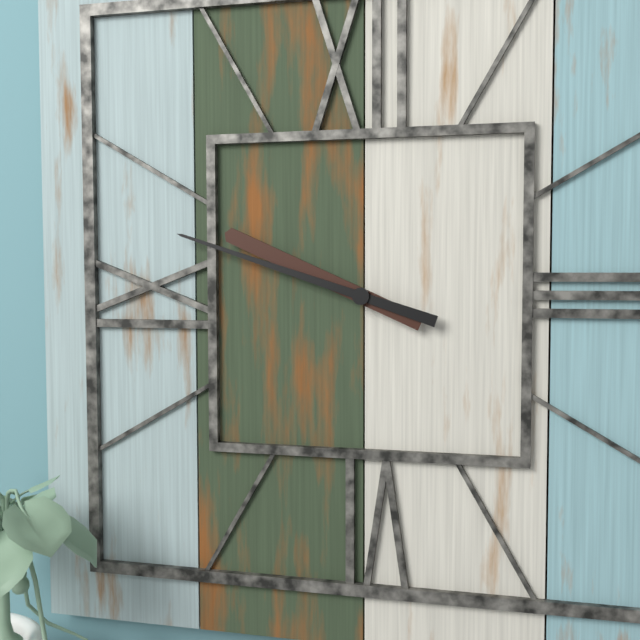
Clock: 9,48
